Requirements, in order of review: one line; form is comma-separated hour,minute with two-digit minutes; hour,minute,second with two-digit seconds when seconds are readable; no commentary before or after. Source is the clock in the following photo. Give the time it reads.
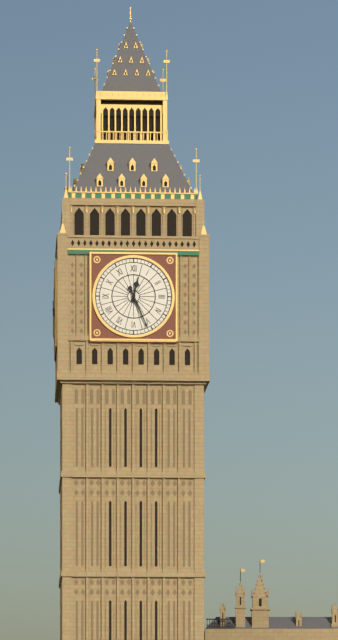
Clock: 12,26
